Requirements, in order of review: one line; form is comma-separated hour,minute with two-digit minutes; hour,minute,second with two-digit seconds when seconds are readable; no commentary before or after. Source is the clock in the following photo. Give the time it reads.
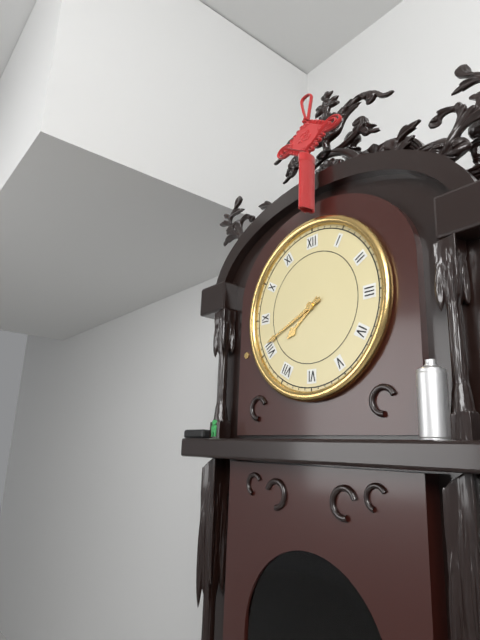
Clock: 7,41
